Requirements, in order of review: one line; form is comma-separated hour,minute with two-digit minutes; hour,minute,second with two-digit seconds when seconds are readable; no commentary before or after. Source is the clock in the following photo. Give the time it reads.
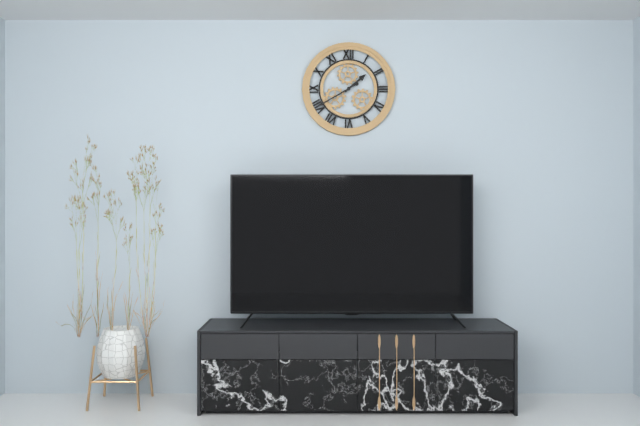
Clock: 1,40
